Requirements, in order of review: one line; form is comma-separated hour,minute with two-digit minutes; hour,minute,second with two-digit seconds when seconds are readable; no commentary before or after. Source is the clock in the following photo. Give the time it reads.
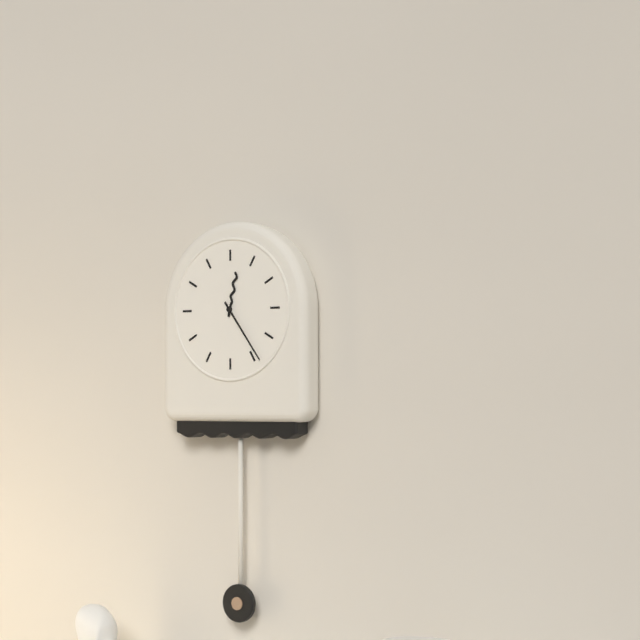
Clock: 12,24
